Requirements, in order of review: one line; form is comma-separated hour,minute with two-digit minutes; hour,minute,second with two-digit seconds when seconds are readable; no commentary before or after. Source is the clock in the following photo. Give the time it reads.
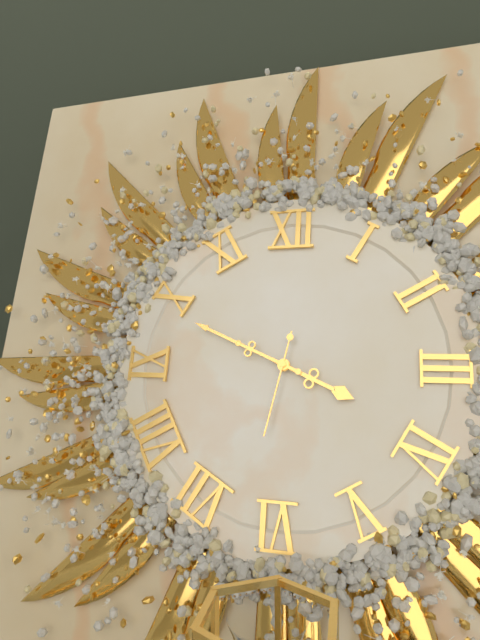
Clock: 3,49,32
